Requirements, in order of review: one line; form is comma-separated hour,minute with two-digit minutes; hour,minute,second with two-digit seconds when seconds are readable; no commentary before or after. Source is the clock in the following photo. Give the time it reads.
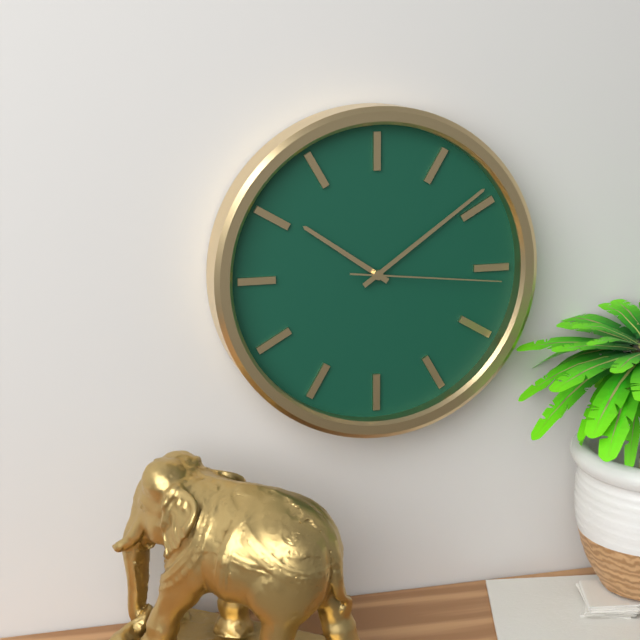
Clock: 10,09,16
